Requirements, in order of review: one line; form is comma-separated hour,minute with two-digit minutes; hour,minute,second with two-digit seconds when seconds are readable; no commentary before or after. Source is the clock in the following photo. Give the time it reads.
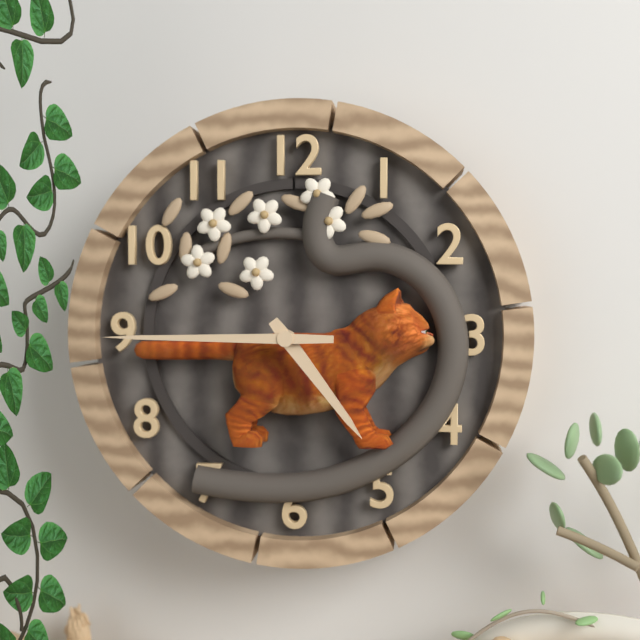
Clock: 4,45
